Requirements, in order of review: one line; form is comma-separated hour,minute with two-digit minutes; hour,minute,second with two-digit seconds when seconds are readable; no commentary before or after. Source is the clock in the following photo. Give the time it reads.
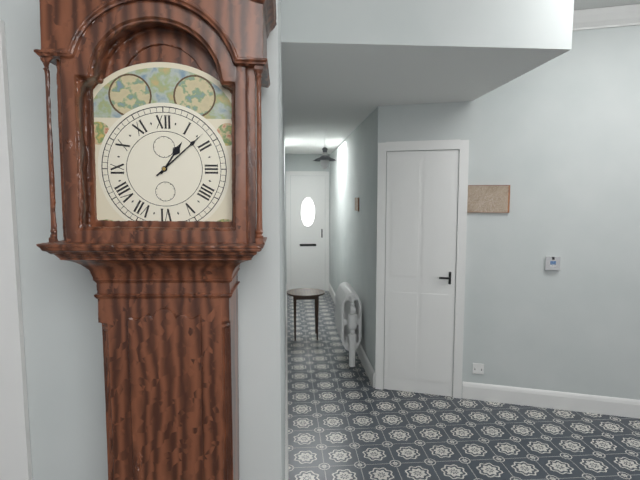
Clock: 1,08
